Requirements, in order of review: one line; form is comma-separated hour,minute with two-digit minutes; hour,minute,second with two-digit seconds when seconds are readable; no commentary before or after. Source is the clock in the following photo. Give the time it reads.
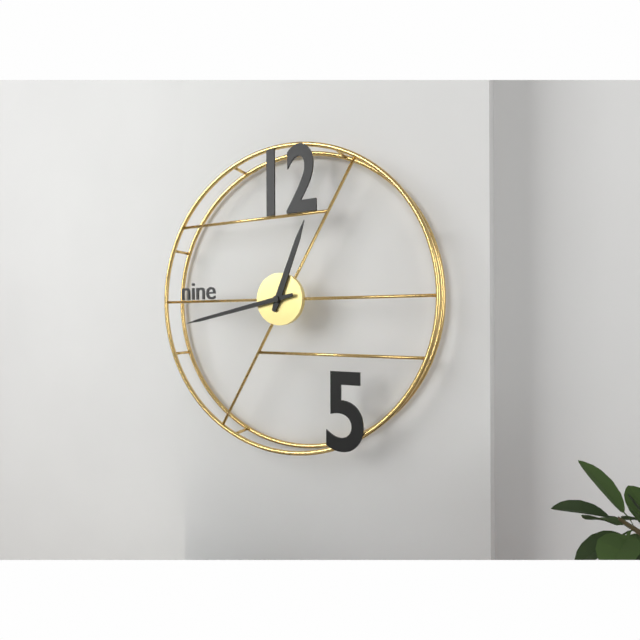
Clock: 12,43
